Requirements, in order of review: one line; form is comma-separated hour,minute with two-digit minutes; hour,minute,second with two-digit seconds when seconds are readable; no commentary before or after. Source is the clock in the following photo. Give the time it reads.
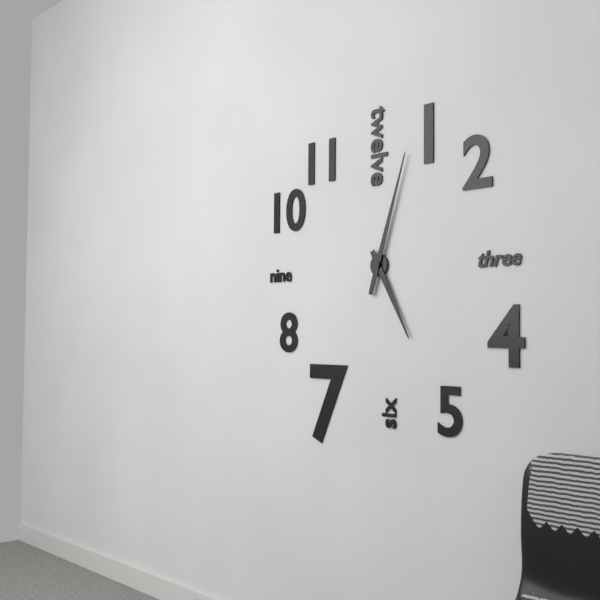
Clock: 5,03
